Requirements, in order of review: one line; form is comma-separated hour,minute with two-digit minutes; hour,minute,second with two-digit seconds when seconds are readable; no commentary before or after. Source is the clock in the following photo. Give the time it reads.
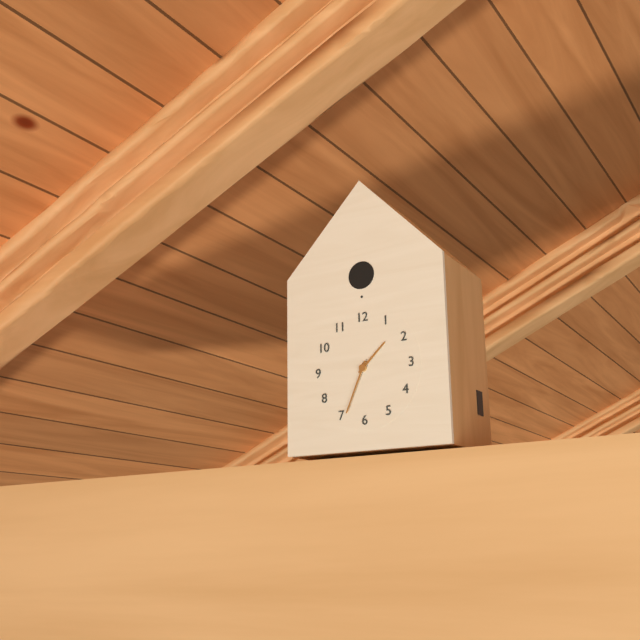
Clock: 1,34
